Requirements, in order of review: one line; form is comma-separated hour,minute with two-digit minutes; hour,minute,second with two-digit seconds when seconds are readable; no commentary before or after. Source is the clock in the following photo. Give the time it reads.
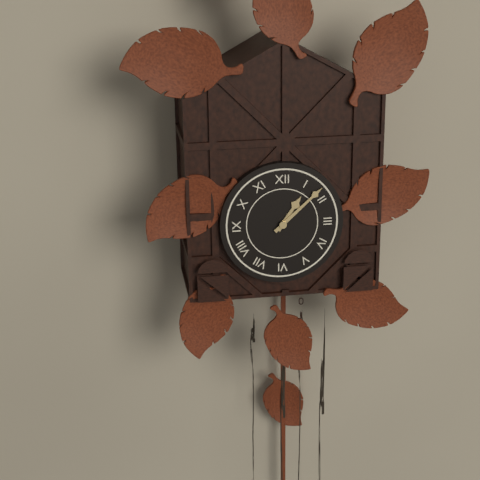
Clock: 1,08
